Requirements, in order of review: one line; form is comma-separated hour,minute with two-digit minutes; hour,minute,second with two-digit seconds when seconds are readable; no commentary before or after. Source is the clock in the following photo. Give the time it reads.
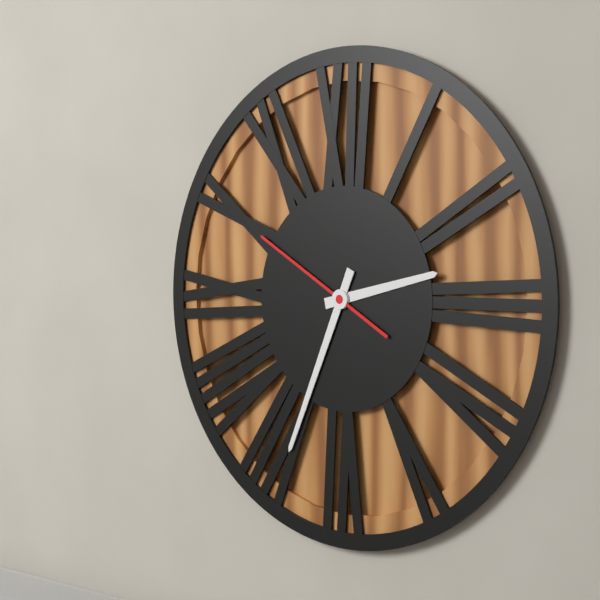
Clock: 2,34,50
